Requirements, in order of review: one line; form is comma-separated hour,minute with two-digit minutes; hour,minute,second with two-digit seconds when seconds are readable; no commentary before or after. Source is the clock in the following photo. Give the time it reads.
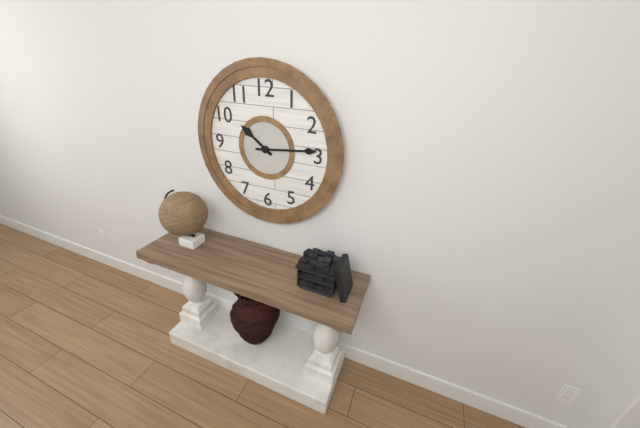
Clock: 10,14
